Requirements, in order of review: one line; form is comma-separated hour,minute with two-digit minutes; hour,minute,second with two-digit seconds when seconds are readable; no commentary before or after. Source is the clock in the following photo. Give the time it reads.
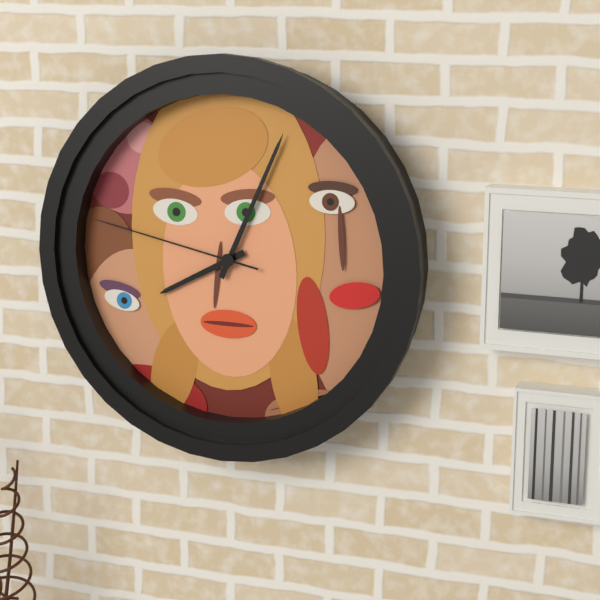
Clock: 8,04,47
